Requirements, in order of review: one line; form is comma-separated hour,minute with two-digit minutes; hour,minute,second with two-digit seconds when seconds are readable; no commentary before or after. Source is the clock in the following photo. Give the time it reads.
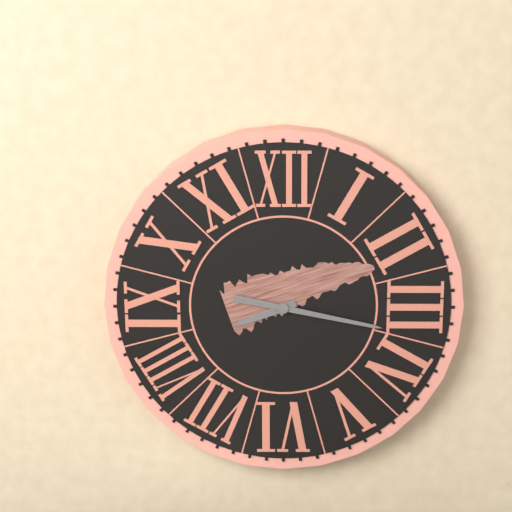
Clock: 8,17
